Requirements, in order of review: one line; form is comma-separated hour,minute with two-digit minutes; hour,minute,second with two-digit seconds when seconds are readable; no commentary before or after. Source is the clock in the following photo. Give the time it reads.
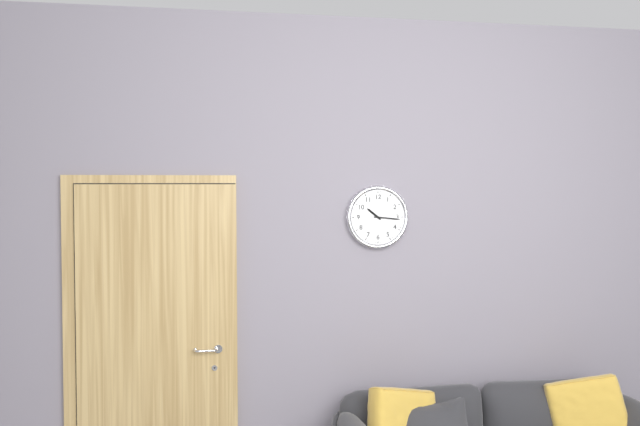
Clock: 10,16
